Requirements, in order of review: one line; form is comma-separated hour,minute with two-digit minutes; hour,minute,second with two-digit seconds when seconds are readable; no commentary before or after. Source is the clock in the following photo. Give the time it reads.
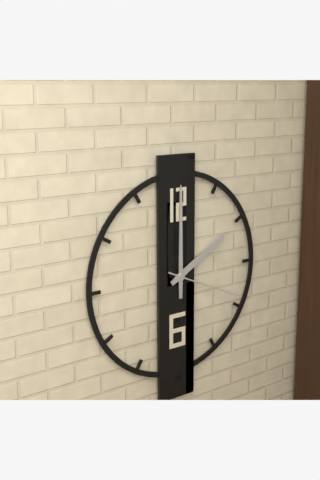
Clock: 2,00,19
